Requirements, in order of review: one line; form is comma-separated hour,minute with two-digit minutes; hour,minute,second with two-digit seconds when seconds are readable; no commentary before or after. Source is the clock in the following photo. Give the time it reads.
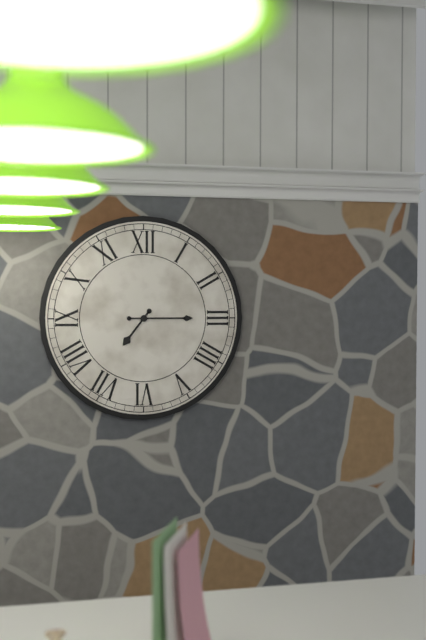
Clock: 7,15
